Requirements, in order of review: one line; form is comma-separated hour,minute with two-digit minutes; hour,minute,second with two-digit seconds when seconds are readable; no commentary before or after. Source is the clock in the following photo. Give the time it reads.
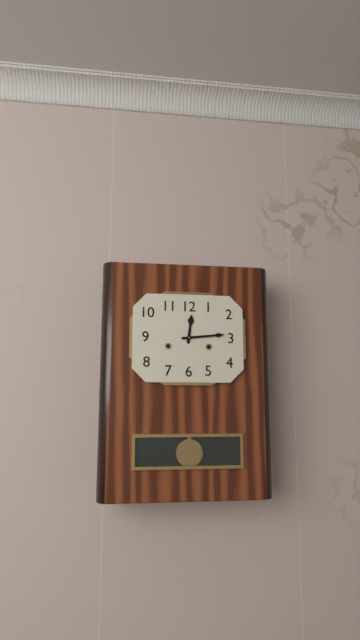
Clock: 12,14
